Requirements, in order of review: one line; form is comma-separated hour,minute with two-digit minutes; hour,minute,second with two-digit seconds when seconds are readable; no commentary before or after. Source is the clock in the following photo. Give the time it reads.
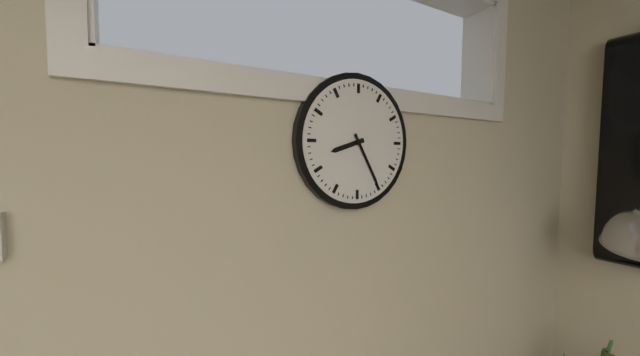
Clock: 8,25
